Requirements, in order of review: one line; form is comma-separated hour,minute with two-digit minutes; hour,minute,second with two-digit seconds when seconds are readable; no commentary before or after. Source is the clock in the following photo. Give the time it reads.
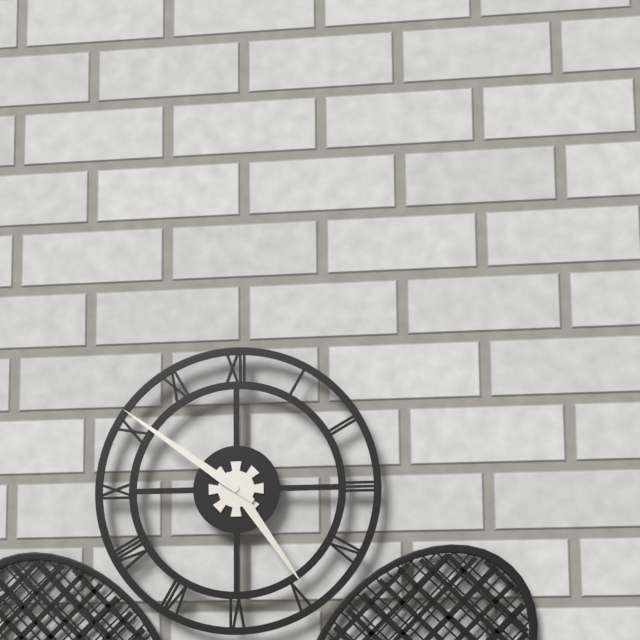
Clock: 4,51
